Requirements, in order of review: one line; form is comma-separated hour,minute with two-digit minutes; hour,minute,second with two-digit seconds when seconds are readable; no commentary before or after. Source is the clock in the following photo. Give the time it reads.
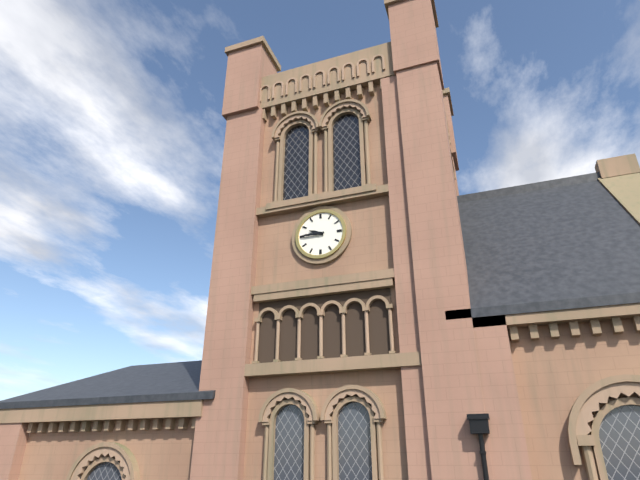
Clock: 9,45
